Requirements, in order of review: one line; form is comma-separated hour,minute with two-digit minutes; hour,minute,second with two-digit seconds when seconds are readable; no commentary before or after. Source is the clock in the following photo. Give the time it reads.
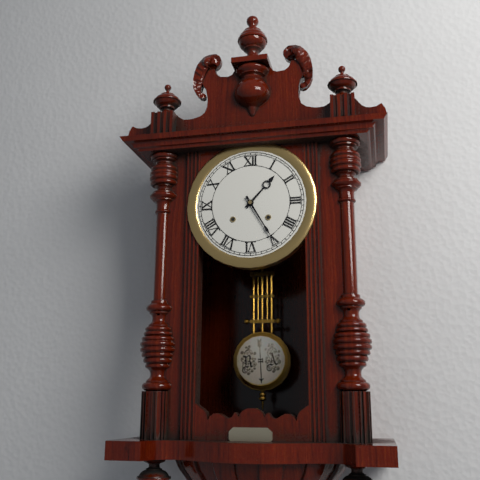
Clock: 1,25
